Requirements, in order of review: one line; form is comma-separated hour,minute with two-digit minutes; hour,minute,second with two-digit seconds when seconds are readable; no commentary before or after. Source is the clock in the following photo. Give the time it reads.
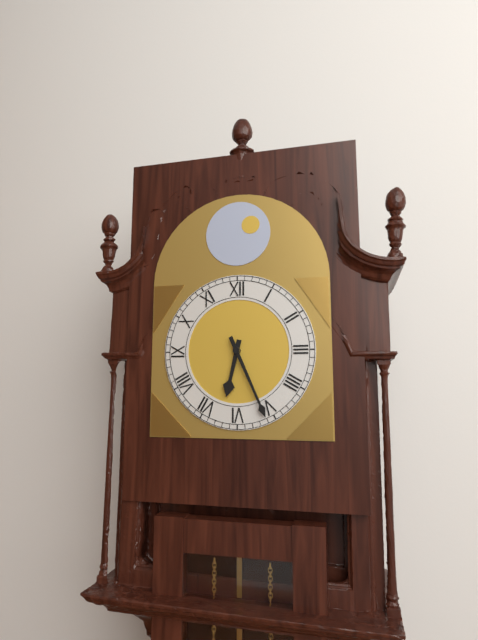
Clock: 6,26
